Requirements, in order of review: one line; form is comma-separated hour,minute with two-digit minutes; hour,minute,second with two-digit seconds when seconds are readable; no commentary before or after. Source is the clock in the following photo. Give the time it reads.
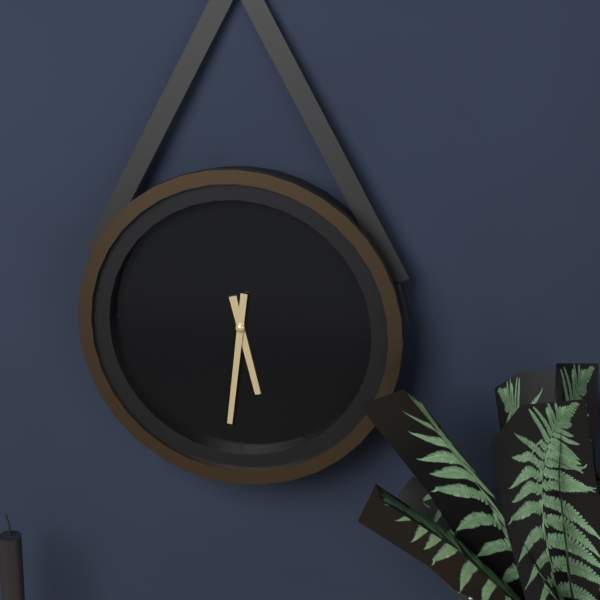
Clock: 5,31
